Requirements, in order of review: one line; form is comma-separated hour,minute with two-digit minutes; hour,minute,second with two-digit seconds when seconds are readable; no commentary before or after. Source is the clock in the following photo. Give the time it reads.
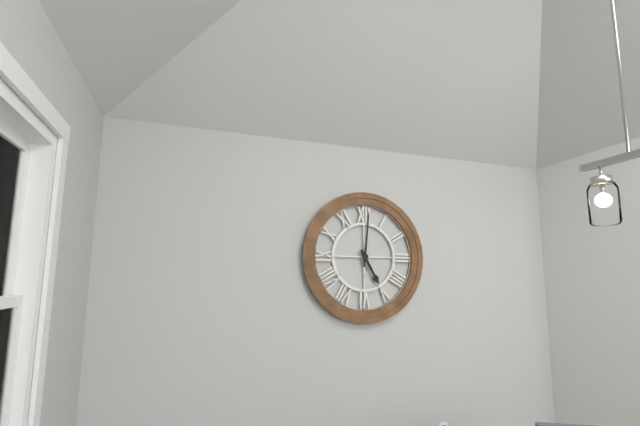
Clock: 5,01
